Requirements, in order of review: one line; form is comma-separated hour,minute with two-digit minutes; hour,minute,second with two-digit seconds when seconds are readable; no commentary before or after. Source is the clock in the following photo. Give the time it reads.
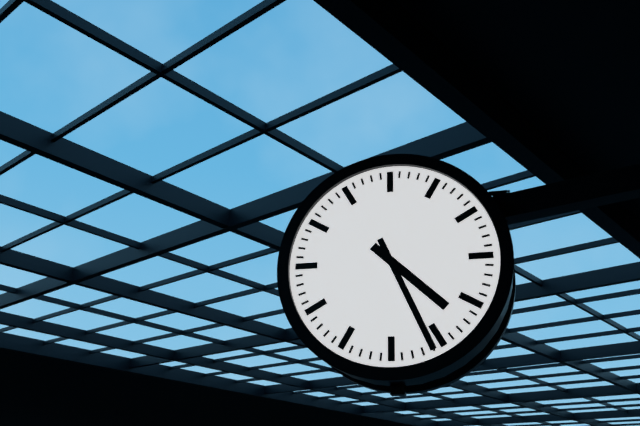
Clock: 4,26
